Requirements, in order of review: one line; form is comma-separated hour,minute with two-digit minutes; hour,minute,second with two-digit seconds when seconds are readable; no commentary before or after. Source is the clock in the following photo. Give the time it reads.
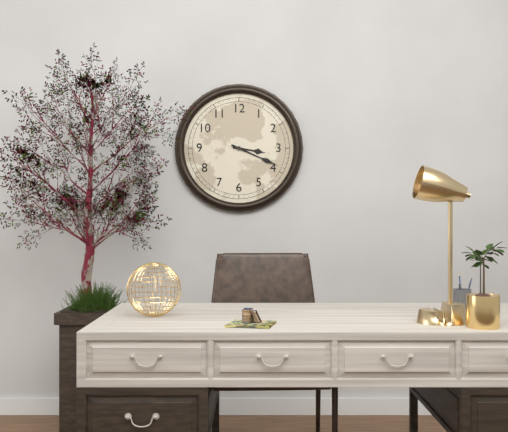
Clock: 3,19
